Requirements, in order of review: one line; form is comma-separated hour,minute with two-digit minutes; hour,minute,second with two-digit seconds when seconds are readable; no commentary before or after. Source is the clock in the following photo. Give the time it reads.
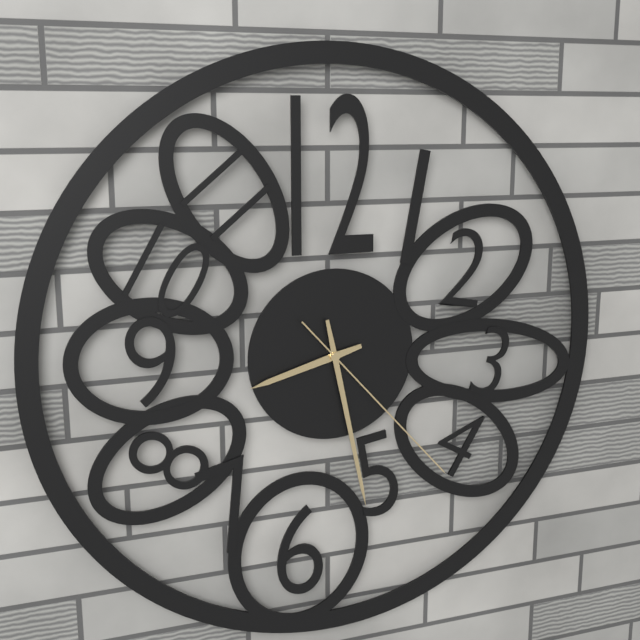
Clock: 8,28,23
